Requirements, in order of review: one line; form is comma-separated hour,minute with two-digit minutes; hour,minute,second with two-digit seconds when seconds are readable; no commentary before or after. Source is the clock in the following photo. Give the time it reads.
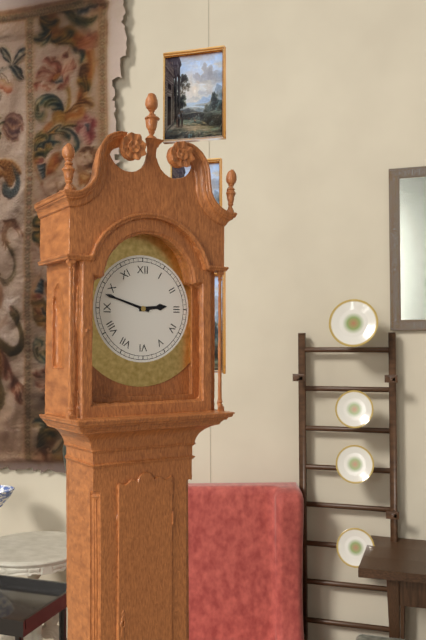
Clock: 2,48
